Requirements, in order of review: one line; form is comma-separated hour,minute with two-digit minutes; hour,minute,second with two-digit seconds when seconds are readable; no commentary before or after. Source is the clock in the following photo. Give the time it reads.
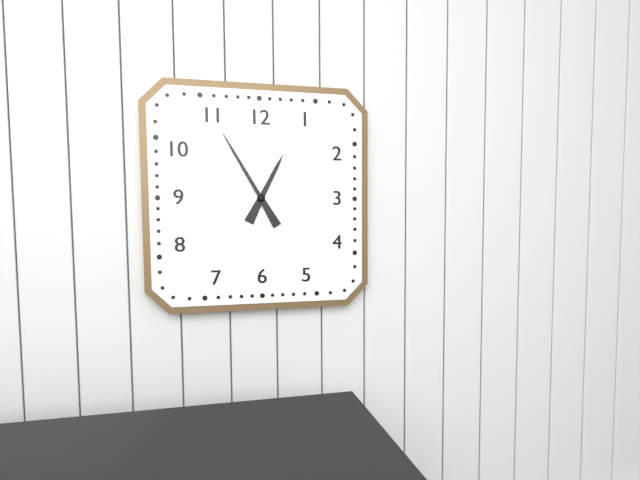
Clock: 12,55
